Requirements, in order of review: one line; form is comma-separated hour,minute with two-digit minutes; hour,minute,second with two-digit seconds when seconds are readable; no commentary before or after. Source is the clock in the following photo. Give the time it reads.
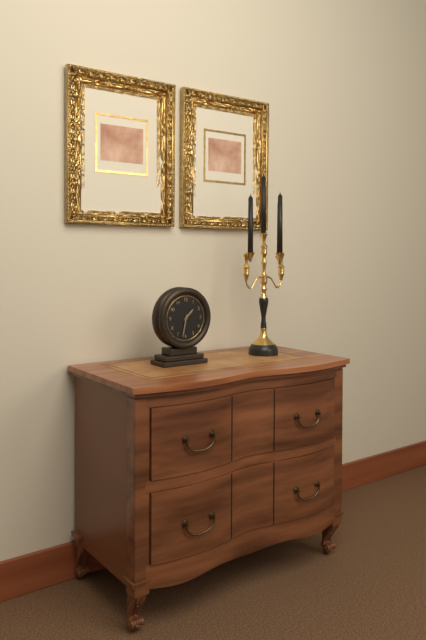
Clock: 1,32
